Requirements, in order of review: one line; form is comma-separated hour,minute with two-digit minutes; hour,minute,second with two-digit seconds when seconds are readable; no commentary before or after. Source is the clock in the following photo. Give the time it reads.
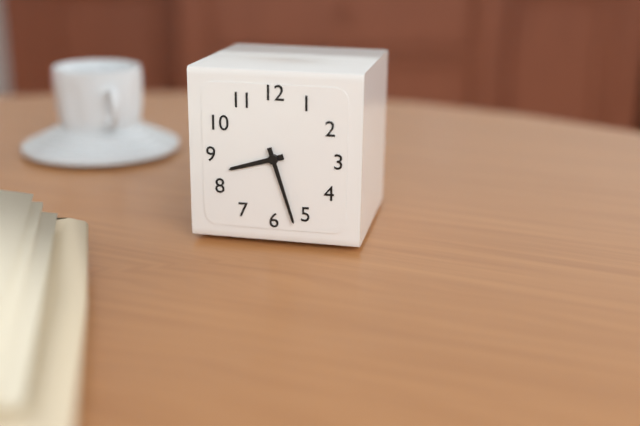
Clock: 8,27
